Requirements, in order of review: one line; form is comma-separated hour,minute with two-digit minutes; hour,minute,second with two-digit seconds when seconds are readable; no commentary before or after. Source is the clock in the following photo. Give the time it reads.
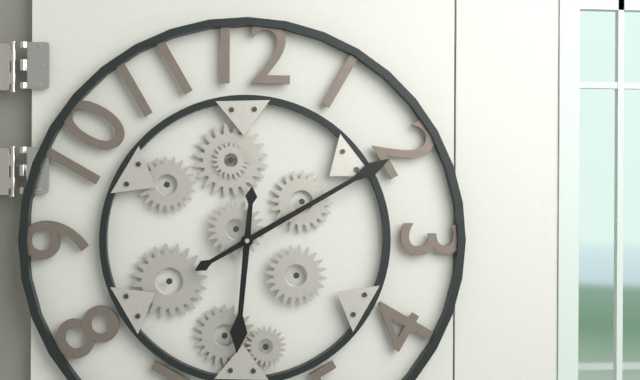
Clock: 6,10
